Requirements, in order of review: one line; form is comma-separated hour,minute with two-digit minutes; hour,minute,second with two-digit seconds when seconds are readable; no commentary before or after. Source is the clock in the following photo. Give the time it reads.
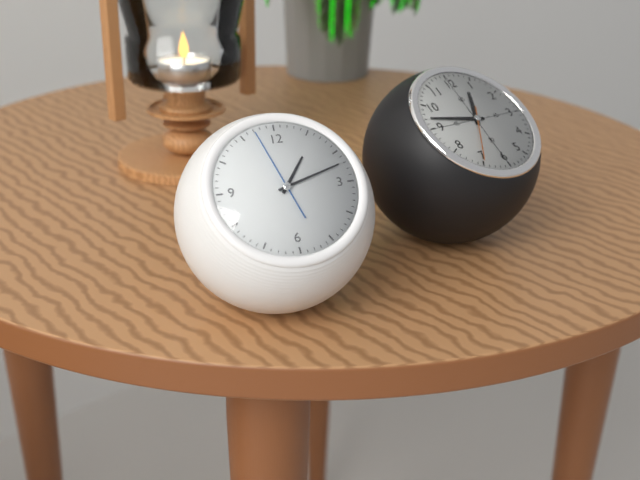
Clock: 1,12,57
